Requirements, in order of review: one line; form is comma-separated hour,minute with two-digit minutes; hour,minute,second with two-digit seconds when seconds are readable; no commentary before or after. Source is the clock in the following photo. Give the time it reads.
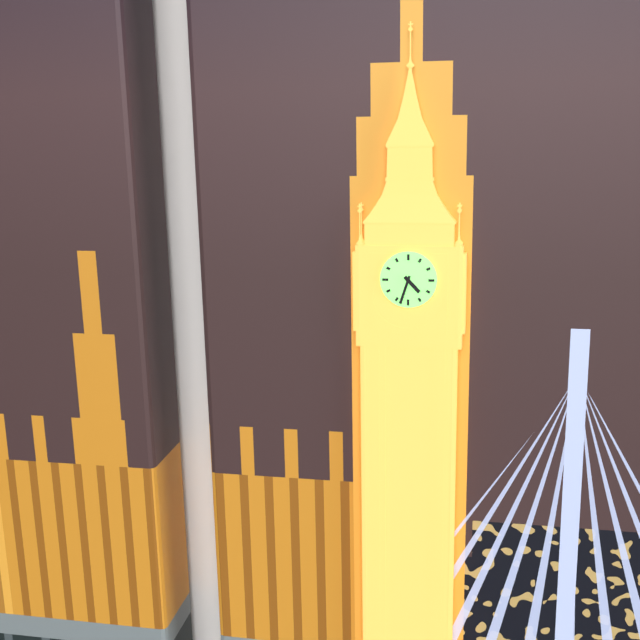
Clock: 4,33
